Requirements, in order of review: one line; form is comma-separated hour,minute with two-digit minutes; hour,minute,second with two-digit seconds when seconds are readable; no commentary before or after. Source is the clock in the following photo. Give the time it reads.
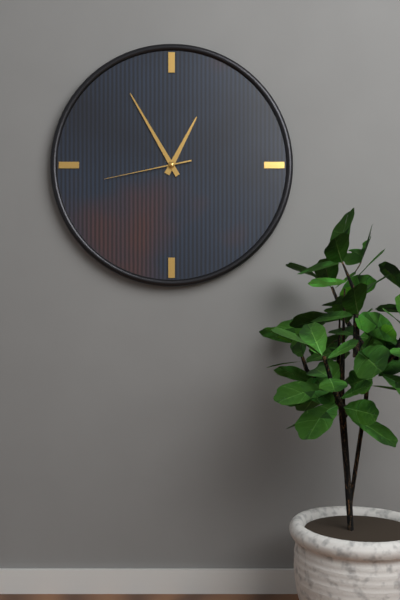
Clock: 12,55,43
